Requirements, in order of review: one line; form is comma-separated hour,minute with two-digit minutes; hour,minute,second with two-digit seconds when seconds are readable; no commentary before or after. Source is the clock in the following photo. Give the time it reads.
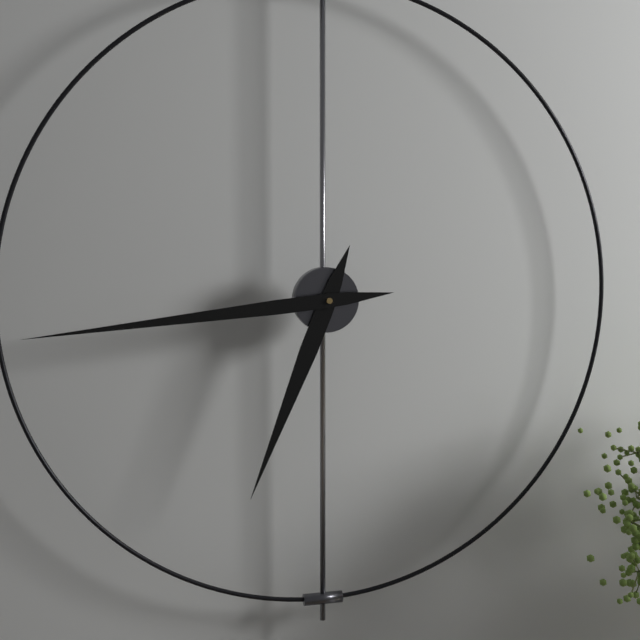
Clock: 6,44
